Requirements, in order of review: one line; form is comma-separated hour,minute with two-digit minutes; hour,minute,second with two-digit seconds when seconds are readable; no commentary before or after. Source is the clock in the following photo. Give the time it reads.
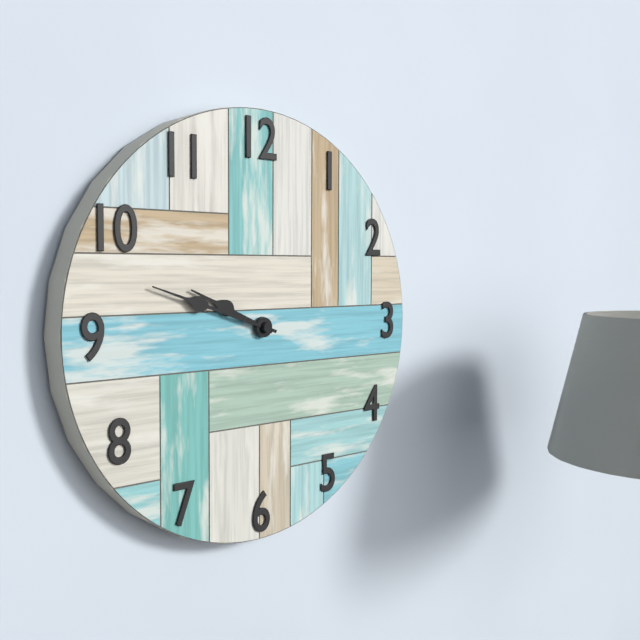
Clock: 9,48
